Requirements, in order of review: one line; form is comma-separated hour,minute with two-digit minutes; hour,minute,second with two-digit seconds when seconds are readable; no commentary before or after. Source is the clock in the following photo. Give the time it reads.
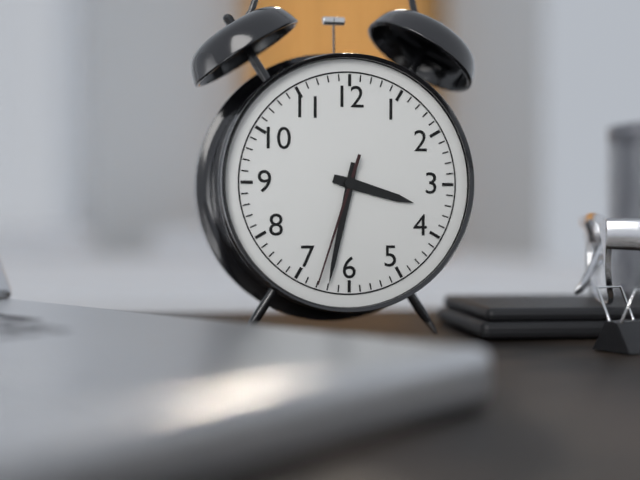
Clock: 3,32,33
